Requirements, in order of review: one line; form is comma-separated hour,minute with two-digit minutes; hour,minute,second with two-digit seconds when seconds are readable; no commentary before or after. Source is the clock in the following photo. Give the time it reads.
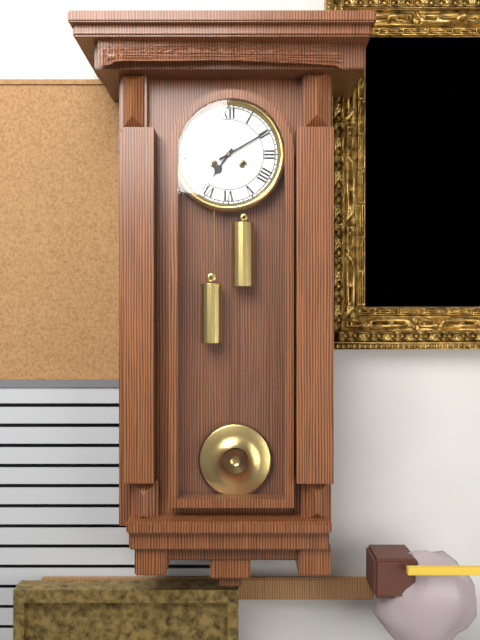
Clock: 7,10
